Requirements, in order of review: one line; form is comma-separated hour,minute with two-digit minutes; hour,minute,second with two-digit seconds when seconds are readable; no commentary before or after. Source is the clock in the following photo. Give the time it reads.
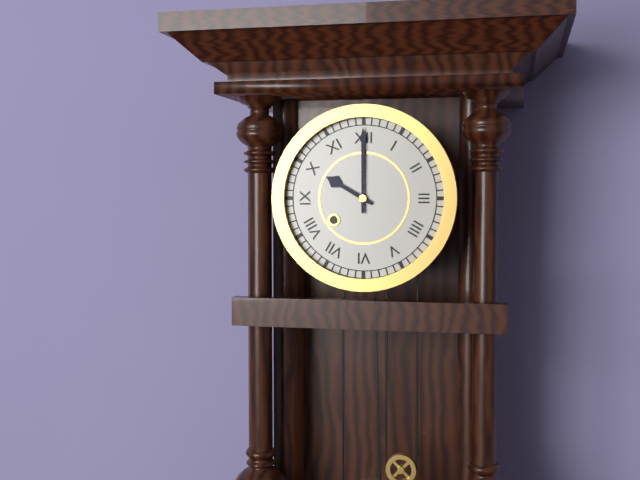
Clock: 10,00
